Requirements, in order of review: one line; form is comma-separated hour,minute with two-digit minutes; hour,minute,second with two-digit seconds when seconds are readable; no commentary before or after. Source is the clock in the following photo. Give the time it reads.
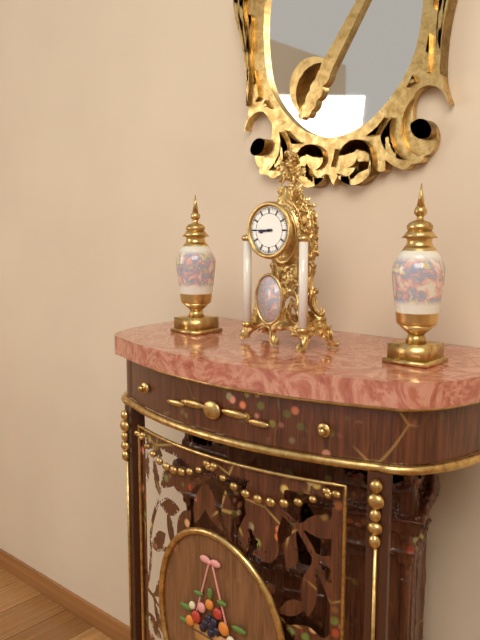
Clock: 8,45
